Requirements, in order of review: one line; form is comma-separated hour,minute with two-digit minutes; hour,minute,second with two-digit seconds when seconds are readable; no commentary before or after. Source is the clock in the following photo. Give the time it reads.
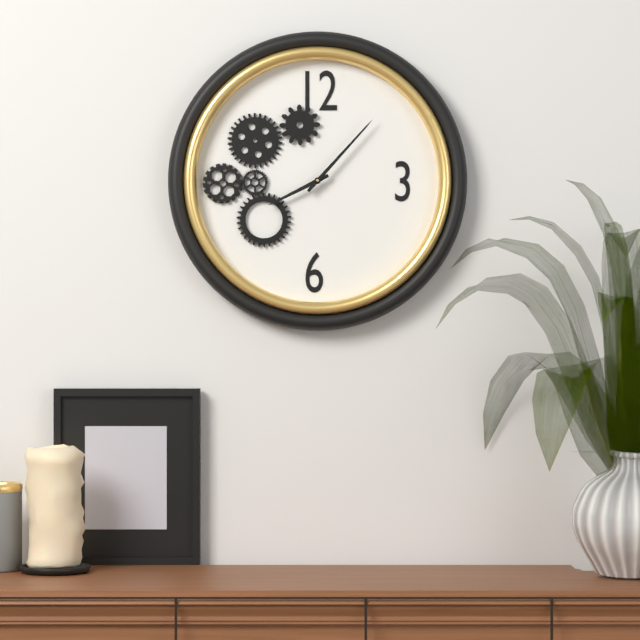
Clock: 8,07
